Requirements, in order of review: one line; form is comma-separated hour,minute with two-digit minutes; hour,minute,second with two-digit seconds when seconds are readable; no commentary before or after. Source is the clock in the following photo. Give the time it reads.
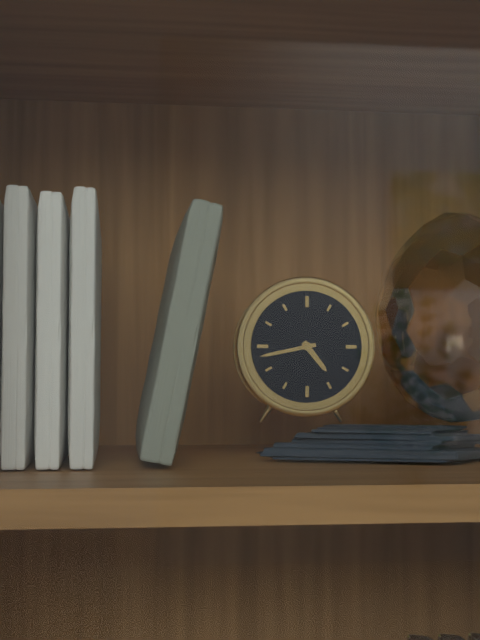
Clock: 4,43
